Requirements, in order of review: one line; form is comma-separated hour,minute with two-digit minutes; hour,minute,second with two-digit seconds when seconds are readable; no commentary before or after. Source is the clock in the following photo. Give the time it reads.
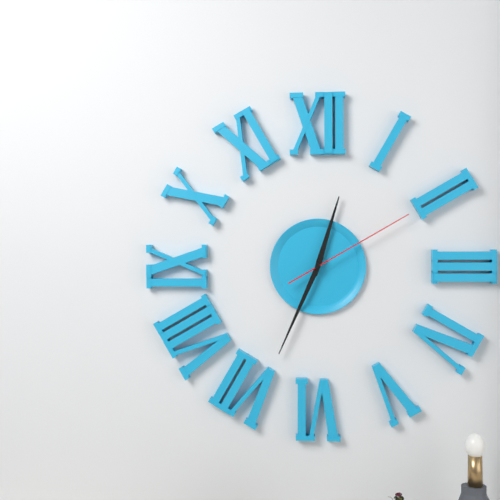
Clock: 12,34,10
